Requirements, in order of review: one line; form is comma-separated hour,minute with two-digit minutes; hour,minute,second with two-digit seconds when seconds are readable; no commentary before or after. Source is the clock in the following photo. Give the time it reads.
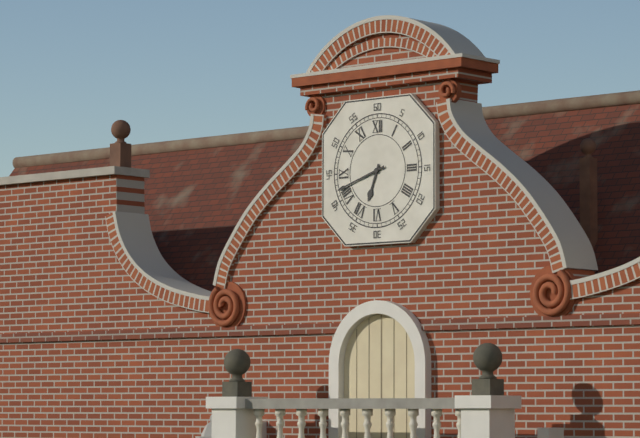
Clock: 6,42
